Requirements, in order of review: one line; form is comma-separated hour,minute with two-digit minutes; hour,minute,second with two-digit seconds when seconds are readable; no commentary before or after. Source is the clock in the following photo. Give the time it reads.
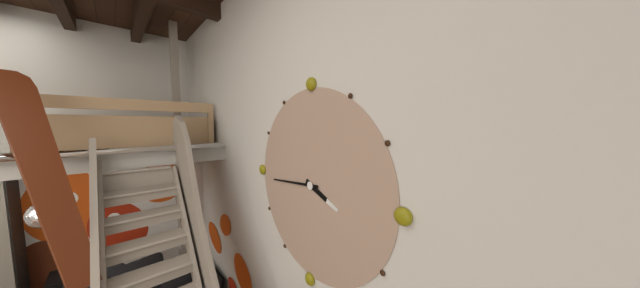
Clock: 3,44
